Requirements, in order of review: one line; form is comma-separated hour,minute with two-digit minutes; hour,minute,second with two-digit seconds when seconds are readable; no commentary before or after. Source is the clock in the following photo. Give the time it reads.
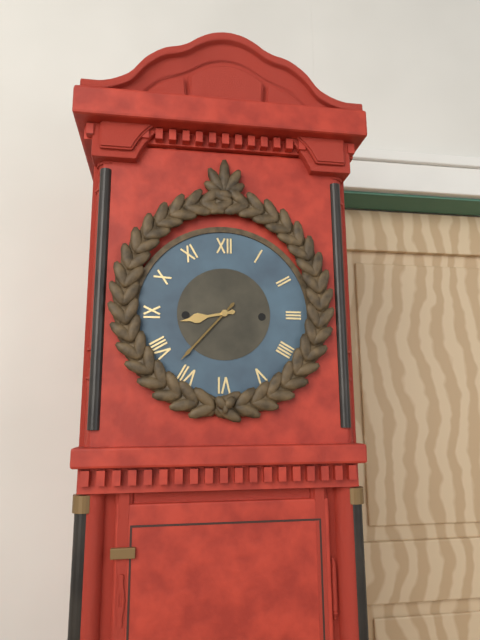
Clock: 8,37
